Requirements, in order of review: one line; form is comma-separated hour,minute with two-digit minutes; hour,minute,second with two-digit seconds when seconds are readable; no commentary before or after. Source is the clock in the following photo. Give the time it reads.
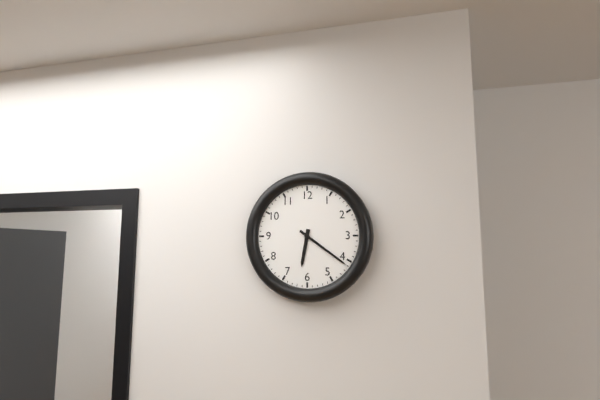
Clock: 6,21
